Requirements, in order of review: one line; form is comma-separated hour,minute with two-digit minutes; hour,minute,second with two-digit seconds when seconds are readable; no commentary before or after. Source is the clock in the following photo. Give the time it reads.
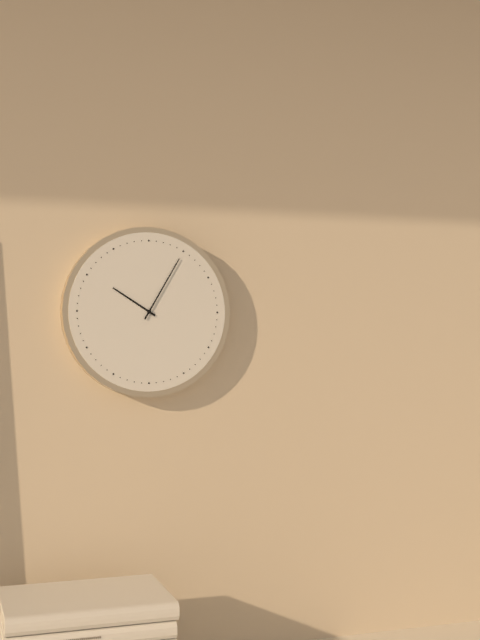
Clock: 10,05
